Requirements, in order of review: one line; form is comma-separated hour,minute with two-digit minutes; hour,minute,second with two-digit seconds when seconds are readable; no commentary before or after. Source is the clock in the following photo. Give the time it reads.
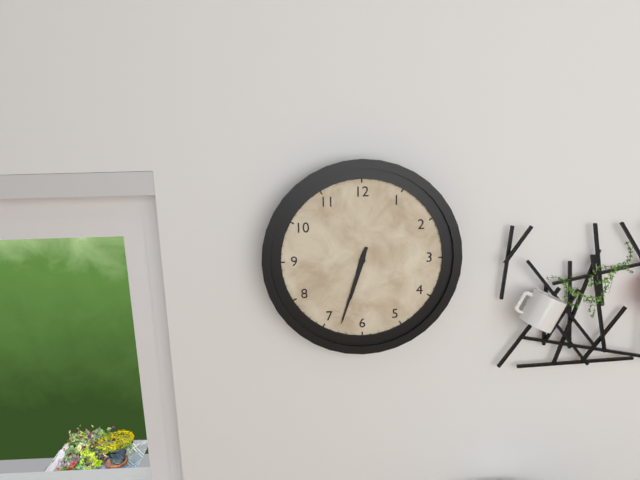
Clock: 6,33
